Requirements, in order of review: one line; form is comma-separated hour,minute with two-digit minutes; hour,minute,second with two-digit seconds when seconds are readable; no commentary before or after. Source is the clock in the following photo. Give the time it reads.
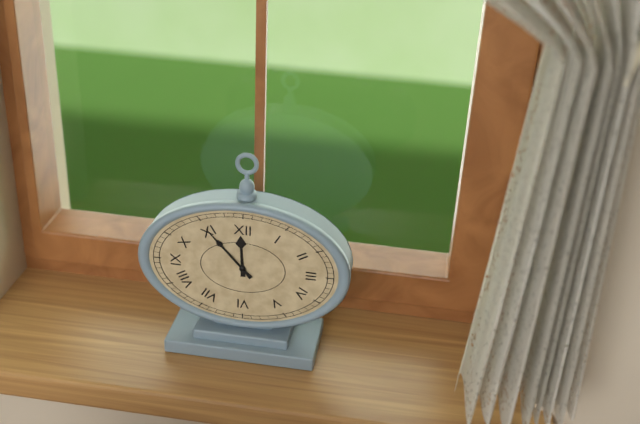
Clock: 11,53
